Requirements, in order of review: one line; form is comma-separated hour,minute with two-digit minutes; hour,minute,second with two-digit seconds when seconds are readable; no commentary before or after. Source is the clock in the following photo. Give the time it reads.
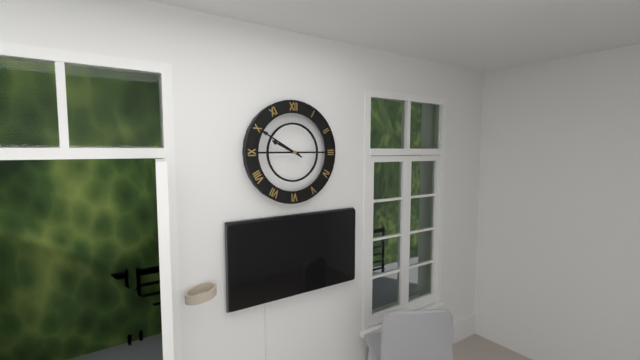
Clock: 9,50
